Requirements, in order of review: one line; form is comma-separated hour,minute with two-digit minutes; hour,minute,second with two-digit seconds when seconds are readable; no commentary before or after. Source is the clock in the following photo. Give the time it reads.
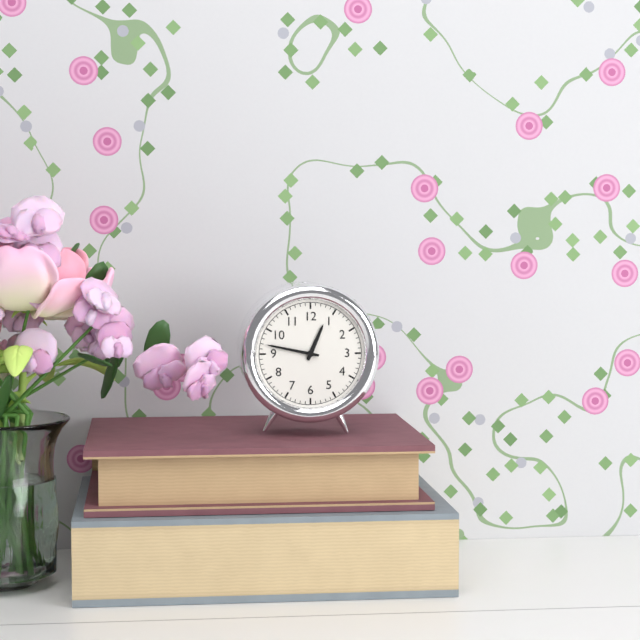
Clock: 12,47
